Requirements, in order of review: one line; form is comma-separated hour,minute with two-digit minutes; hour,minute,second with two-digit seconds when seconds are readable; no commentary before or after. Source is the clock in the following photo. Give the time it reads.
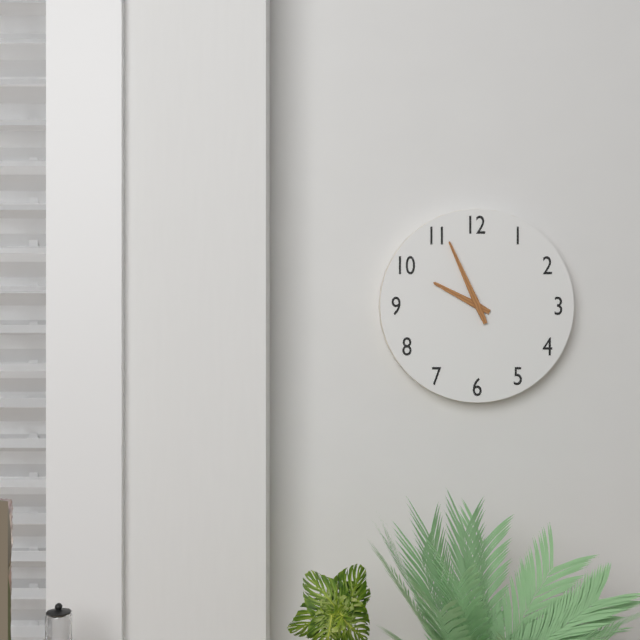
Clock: 9,56
